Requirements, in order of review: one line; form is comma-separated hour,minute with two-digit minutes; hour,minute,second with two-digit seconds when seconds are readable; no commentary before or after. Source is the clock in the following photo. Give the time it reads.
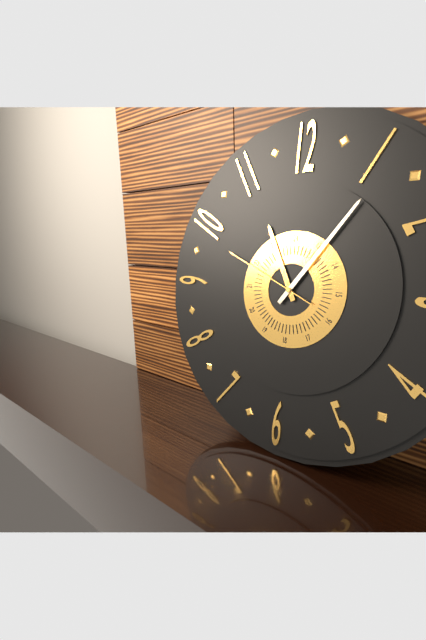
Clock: 11,06,49
